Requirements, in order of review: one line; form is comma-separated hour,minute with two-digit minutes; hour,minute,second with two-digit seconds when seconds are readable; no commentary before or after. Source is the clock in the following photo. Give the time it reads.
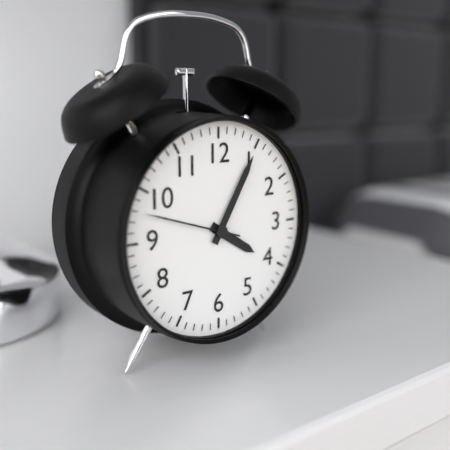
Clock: 4,05,48
